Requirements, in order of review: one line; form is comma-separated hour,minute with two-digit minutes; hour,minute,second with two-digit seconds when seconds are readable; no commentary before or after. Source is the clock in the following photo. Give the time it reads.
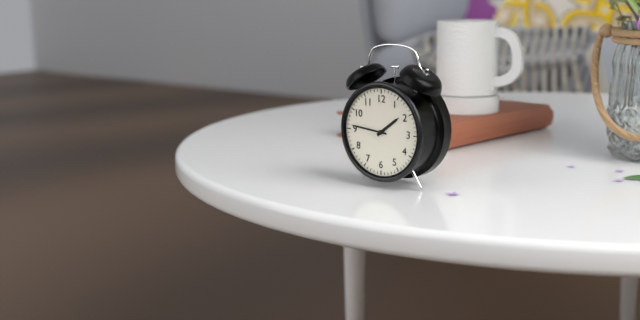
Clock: 1,46
